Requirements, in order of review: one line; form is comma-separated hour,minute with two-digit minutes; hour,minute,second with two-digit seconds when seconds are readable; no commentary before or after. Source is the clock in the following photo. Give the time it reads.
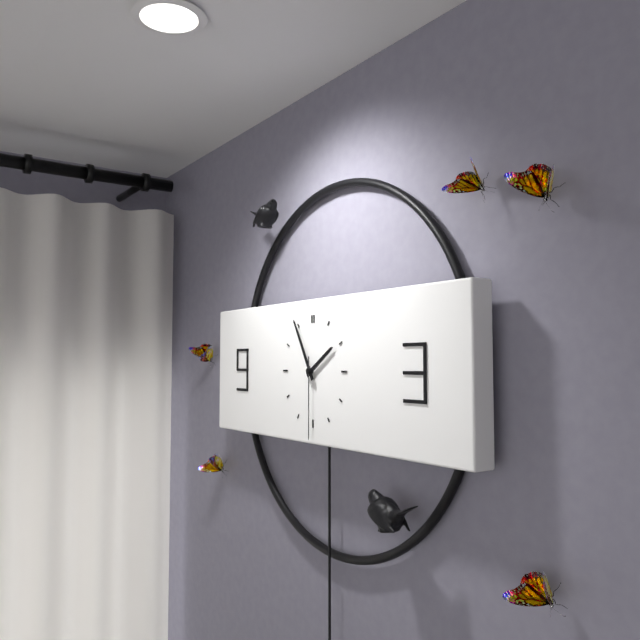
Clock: 1,55,30
